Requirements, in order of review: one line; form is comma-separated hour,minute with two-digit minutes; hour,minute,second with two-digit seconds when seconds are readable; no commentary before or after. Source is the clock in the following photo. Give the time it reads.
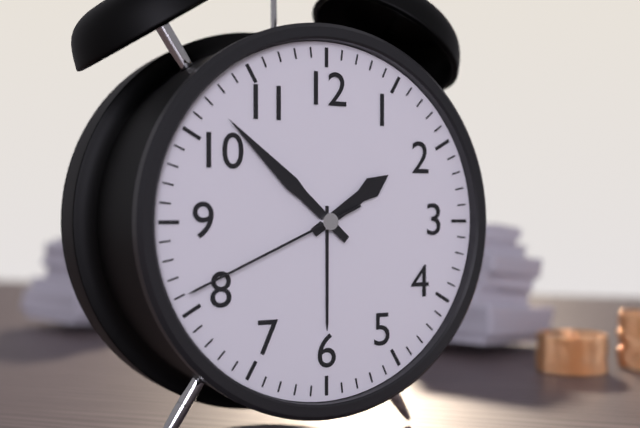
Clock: 1,52,41
